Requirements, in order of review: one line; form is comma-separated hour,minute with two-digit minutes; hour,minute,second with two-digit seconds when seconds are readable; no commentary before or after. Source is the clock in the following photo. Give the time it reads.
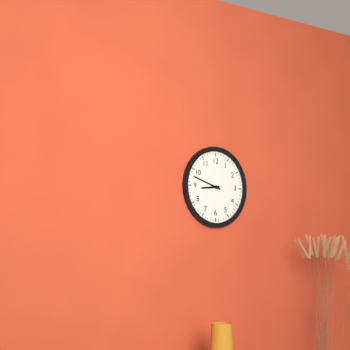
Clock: 8,48
